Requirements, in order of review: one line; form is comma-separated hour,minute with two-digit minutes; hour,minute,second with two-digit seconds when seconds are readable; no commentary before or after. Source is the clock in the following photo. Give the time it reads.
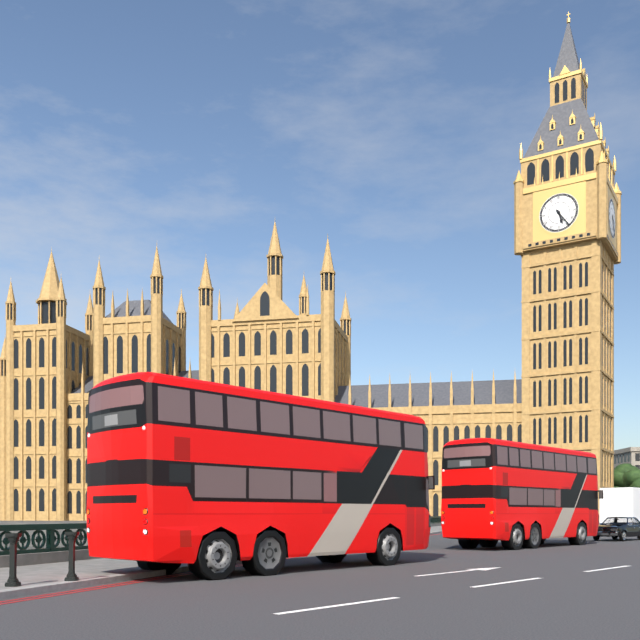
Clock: 5,24
